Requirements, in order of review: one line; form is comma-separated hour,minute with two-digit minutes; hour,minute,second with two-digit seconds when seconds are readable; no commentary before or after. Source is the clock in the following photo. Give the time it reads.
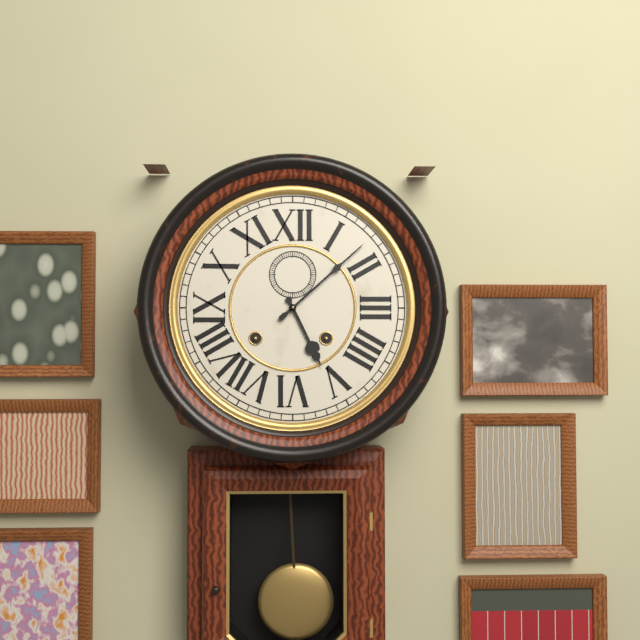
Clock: 5,08
